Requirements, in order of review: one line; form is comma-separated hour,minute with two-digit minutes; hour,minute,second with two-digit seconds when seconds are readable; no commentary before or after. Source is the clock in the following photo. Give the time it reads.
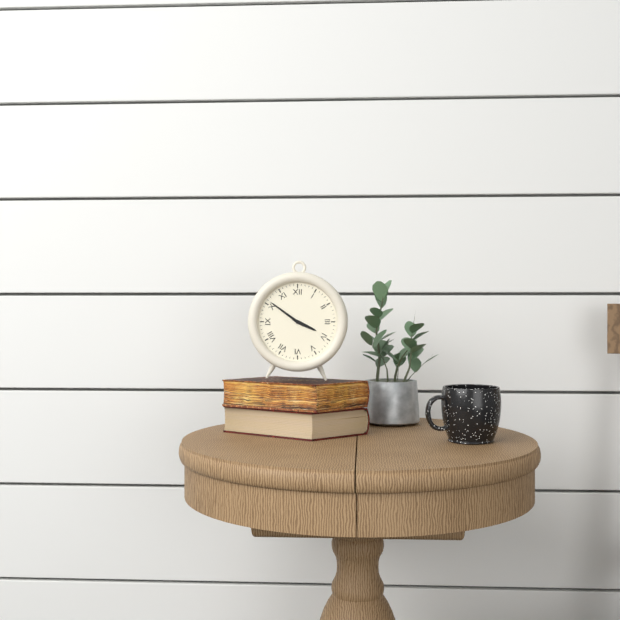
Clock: 3,51
